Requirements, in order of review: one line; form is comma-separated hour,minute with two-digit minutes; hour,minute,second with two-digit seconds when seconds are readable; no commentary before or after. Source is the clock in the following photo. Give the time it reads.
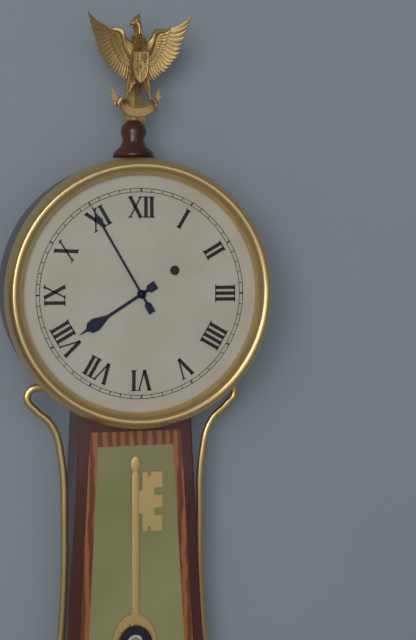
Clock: 7,55
